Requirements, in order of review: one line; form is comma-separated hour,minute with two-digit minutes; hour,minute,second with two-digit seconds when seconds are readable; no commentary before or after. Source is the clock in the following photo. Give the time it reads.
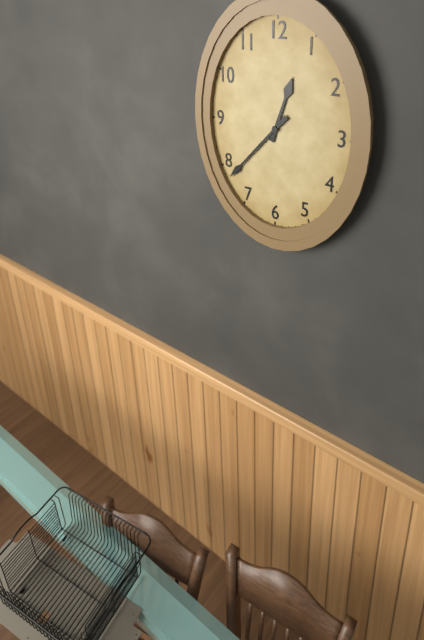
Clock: 12,37
